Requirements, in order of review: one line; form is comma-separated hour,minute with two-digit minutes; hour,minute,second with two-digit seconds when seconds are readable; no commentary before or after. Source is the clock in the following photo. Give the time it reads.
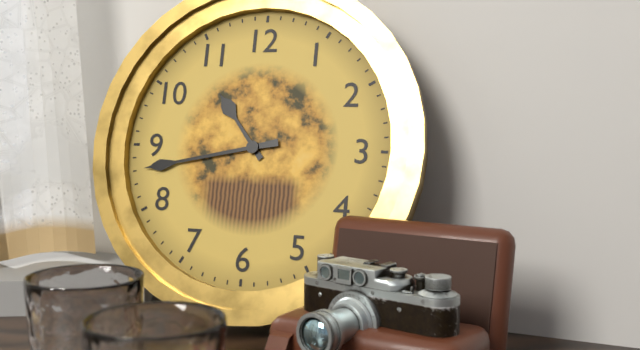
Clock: 10,43
